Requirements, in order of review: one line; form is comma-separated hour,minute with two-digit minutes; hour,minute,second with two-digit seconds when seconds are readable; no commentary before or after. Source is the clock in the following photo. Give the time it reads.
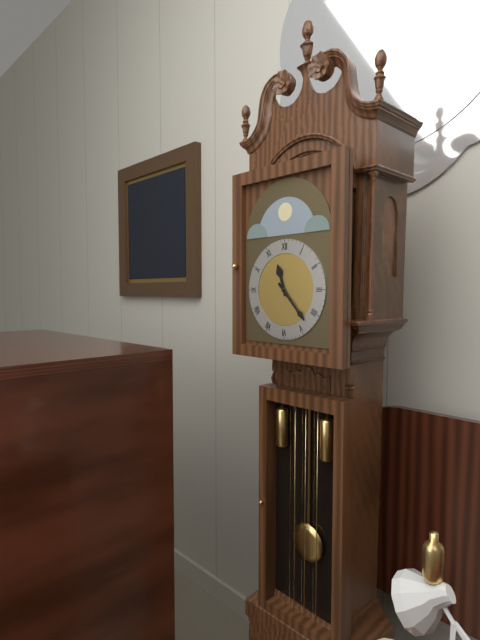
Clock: 11,23
